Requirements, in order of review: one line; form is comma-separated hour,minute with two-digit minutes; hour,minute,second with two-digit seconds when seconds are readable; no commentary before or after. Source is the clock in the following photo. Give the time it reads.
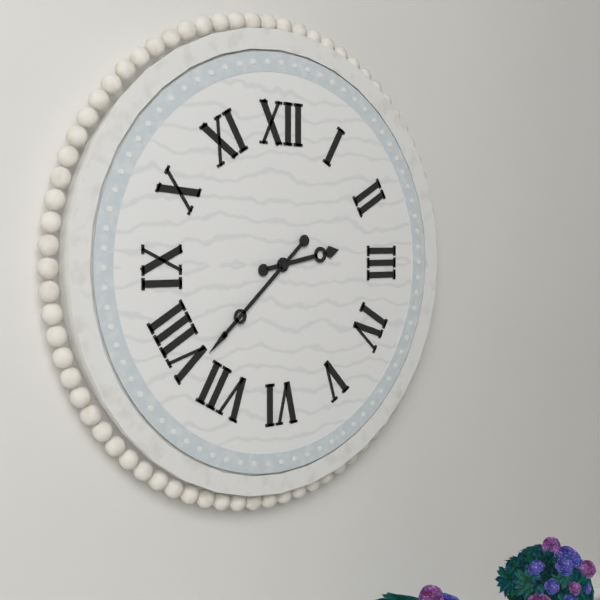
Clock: 2,38
